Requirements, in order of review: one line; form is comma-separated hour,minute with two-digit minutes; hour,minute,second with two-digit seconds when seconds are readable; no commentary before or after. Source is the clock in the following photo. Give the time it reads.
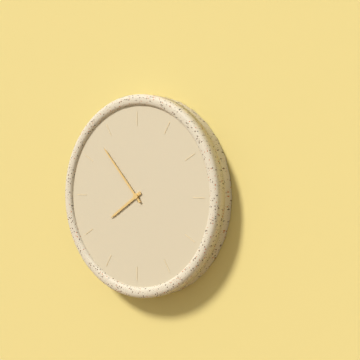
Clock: 7,53
